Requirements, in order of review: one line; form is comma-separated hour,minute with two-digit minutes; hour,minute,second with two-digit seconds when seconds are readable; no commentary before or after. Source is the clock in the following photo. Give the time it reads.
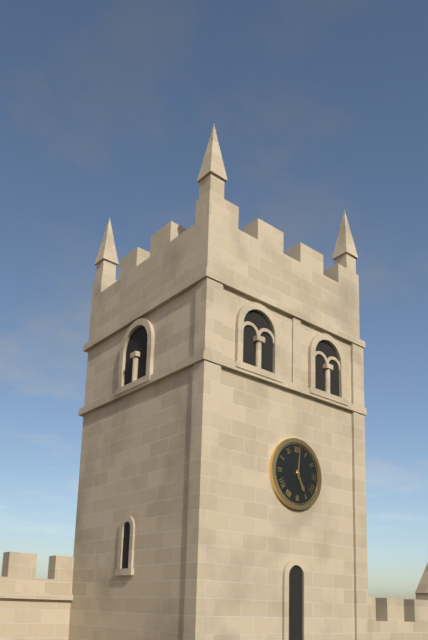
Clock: 5,01
